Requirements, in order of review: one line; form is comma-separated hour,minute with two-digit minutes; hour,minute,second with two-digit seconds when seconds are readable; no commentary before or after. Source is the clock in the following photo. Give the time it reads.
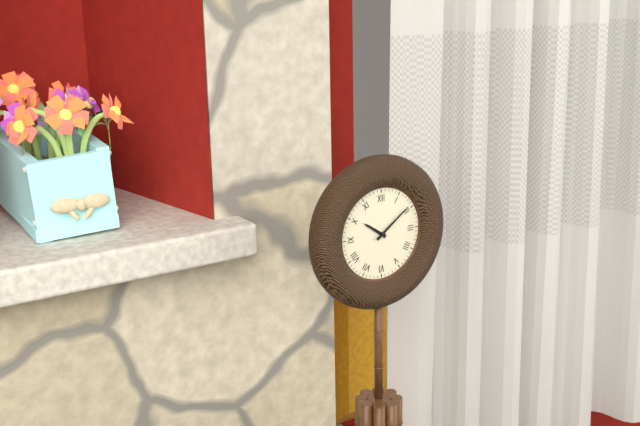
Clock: 10,09
